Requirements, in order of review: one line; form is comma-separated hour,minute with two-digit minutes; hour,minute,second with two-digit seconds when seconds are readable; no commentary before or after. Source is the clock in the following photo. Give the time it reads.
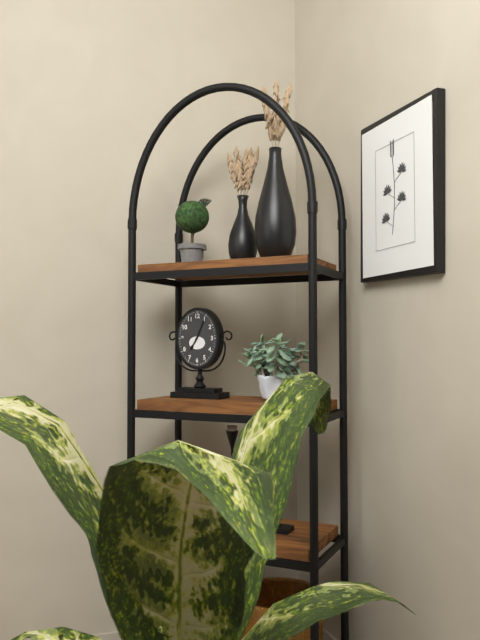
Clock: 7,04
